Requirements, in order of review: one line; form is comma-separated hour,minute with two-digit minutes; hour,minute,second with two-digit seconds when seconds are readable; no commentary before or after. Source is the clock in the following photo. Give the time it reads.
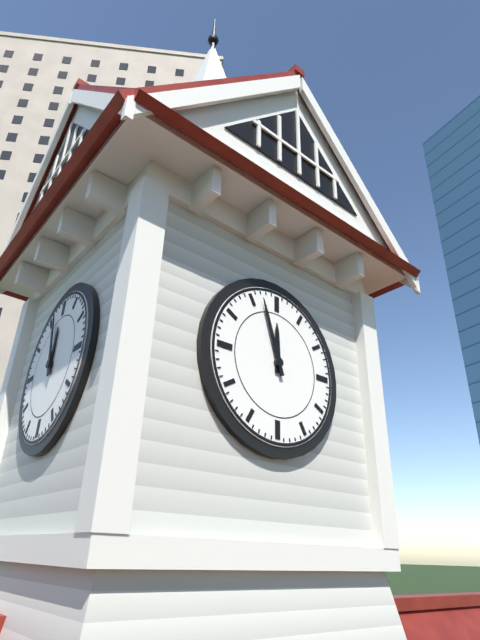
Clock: 11,57
